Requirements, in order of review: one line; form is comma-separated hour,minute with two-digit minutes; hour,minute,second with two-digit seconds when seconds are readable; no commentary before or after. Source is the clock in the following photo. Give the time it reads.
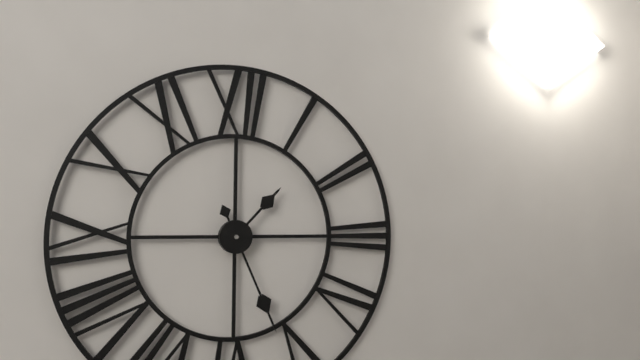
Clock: 1,26
